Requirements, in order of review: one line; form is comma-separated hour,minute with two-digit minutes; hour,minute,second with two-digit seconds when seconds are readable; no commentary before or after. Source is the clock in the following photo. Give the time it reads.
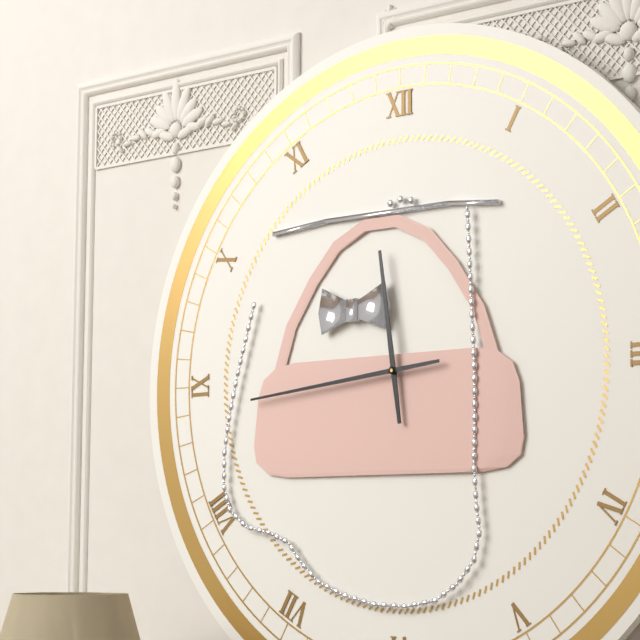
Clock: 11,44
